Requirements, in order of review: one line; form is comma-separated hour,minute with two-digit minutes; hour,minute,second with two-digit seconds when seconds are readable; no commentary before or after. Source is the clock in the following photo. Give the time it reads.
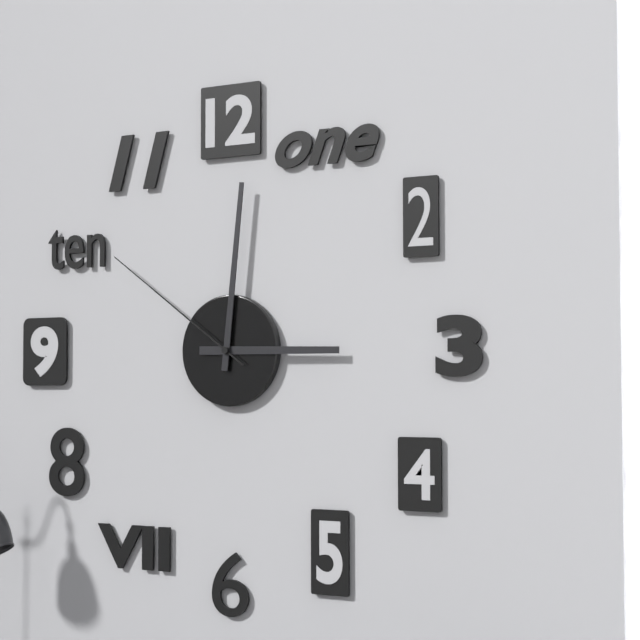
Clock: 3,01,51
